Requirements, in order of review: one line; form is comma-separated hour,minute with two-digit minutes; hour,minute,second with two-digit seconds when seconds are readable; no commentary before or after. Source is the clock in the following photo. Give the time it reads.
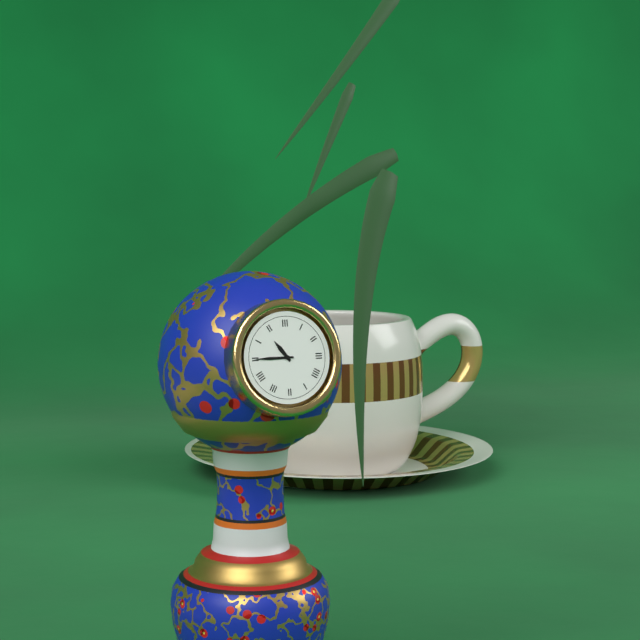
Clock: 10,45
